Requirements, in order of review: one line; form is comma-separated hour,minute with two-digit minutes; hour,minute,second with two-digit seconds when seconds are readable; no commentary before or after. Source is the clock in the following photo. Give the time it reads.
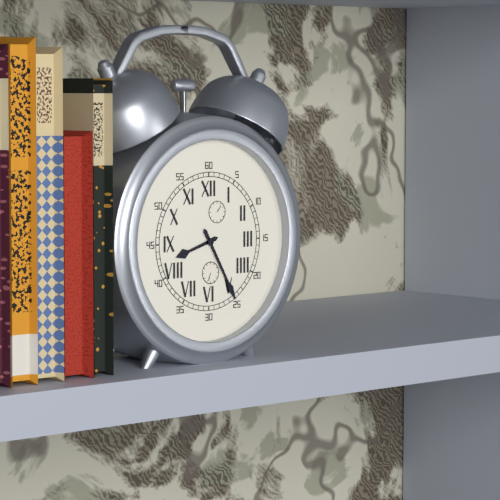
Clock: 8,25
